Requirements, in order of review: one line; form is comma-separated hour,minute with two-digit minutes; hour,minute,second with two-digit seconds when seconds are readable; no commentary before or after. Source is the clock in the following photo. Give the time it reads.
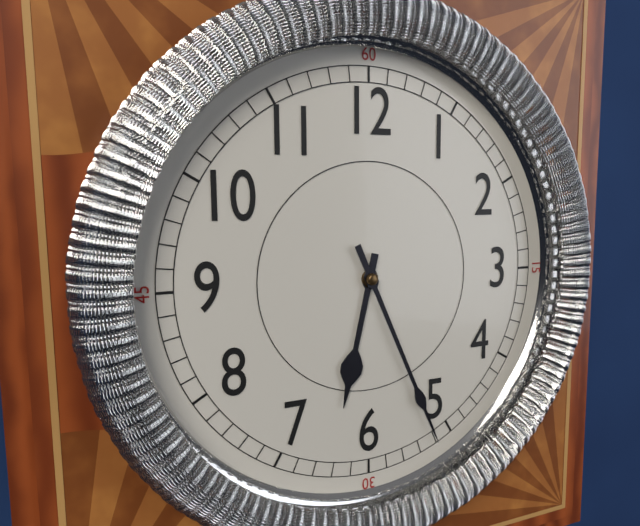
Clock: 6,26
